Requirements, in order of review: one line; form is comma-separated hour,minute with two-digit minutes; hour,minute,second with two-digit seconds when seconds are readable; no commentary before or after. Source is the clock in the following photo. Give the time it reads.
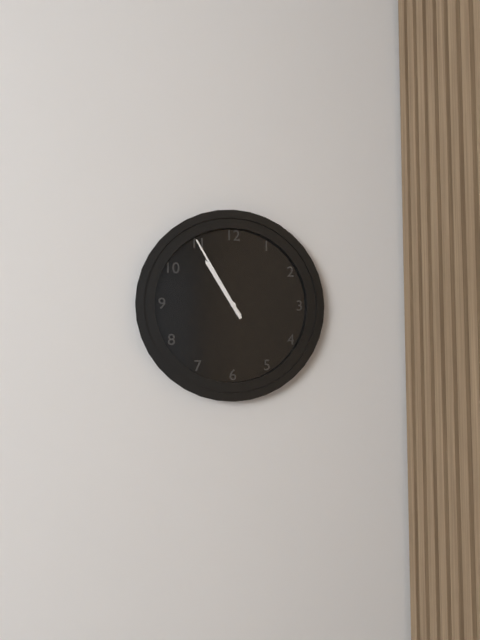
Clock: 10,55
